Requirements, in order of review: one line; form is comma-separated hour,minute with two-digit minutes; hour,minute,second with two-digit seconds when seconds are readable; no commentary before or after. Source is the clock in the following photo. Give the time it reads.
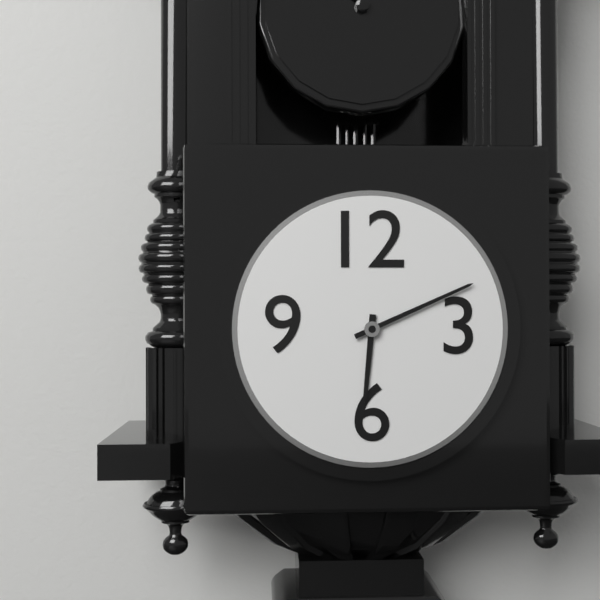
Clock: 6,11
